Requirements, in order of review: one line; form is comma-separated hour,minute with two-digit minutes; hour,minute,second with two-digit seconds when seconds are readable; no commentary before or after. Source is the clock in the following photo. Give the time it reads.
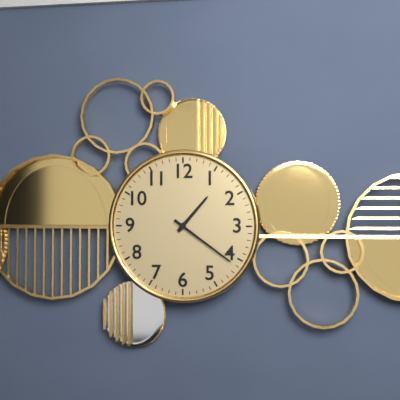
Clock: 1,21
